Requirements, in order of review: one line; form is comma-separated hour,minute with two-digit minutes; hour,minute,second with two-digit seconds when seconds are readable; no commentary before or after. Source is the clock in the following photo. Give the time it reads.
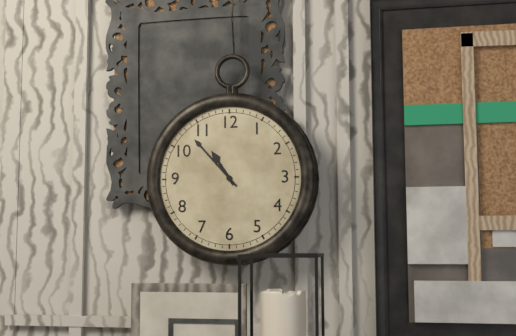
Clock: 10,53
